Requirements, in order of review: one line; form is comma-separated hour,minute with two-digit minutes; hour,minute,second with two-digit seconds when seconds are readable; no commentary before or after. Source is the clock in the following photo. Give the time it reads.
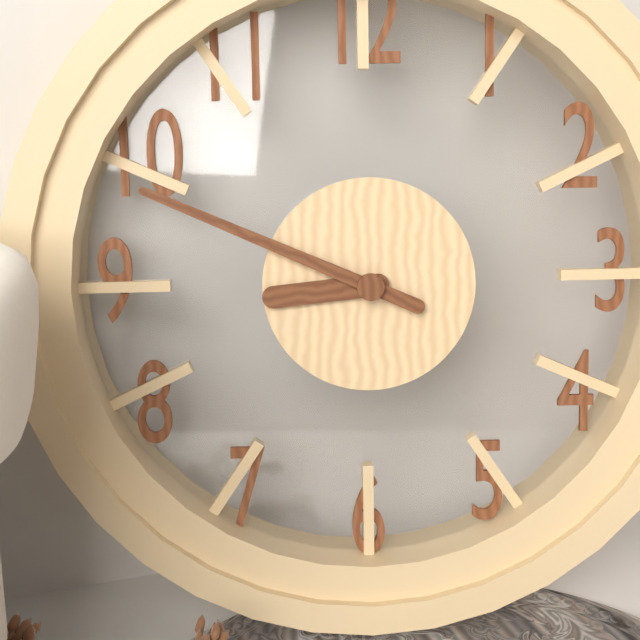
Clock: 8,49
